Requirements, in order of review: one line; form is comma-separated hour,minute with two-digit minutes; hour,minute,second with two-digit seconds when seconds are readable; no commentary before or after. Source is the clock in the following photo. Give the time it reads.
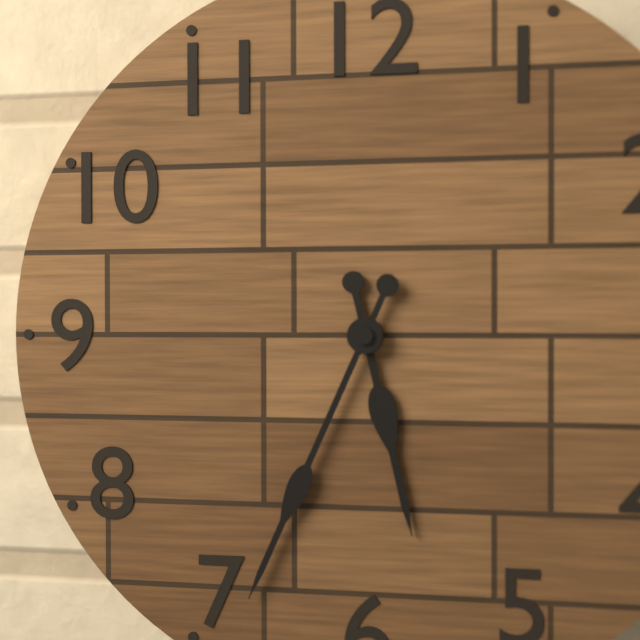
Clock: 5,34
